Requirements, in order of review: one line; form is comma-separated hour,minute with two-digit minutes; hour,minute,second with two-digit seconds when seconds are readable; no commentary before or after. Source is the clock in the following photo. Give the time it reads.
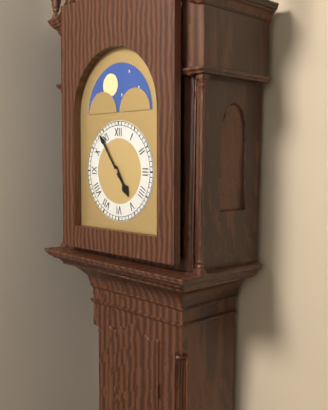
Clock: 4,54
